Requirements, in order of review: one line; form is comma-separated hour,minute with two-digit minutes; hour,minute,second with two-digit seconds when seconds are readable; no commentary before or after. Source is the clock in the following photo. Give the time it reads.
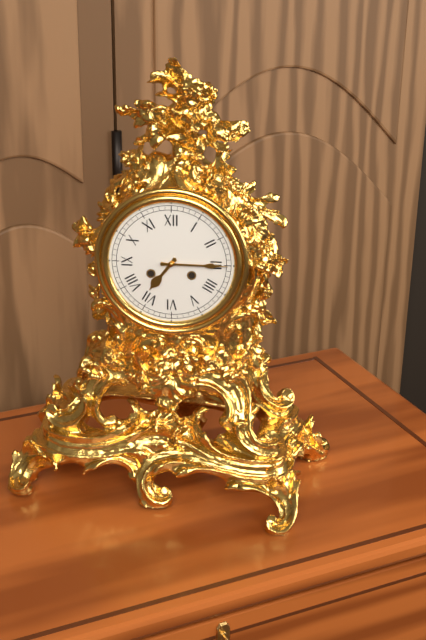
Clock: 7,15
